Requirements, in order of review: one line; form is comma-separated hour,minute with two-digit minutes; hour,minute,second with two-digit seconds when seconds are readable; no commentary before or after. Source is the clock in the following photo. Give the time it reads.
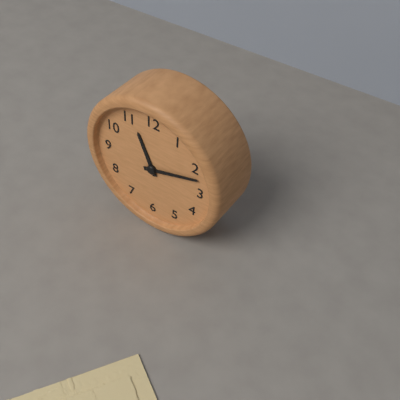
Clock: 11,12
